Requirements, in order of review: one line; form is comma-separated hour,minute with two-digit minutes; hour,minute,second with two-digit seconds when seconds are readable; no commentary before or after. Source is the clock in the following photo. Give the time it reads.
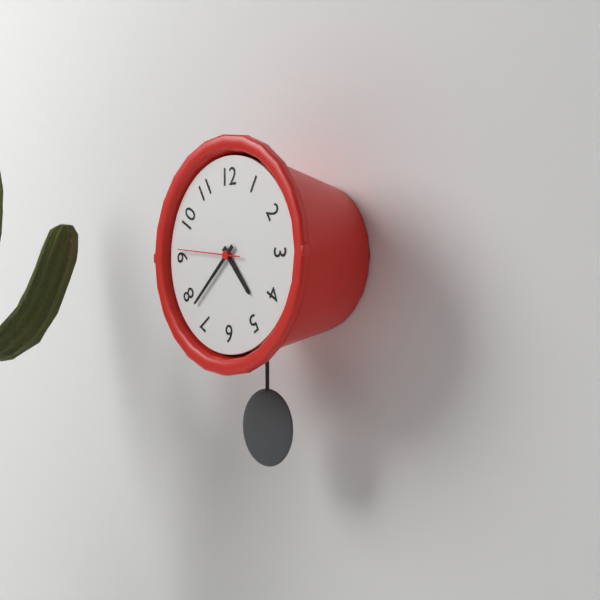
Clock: 4,38,46
